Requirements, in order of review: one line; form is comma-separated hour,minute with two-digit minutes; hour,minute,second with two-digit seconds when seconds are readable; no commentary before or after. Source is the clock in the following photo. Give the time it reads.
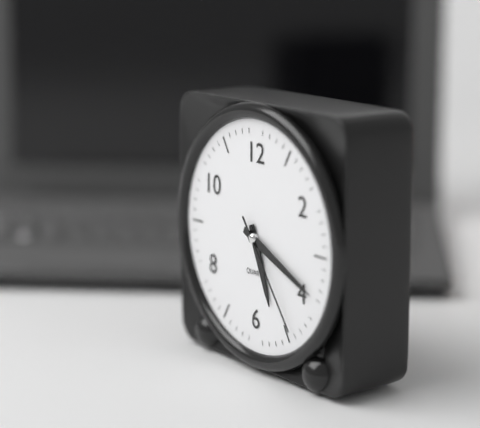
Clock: 5,19,24
